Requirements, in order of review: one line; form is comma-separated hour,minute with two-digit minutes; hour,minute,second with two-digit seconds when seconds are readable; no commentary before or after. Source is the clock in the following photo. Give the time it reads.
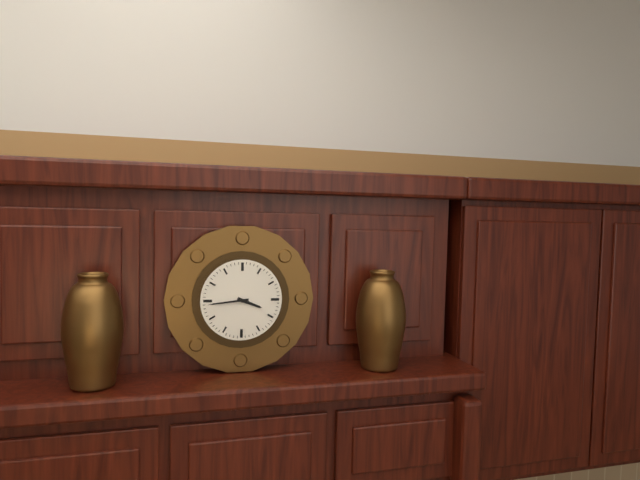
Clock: 3,44
